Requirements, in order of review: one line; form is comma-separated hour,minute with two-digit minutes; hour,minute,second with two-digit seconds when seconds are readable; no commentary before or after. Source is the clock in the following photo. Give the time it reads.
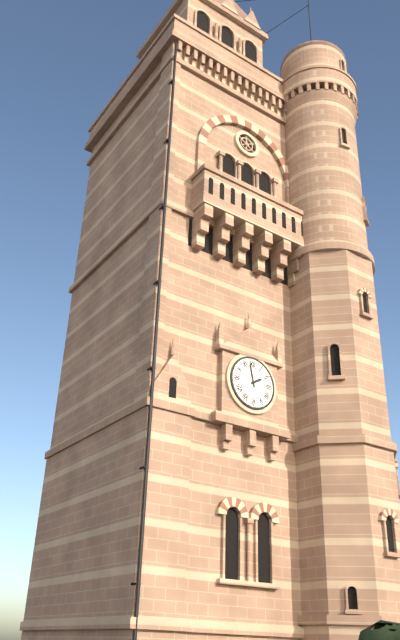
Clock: 1,58
